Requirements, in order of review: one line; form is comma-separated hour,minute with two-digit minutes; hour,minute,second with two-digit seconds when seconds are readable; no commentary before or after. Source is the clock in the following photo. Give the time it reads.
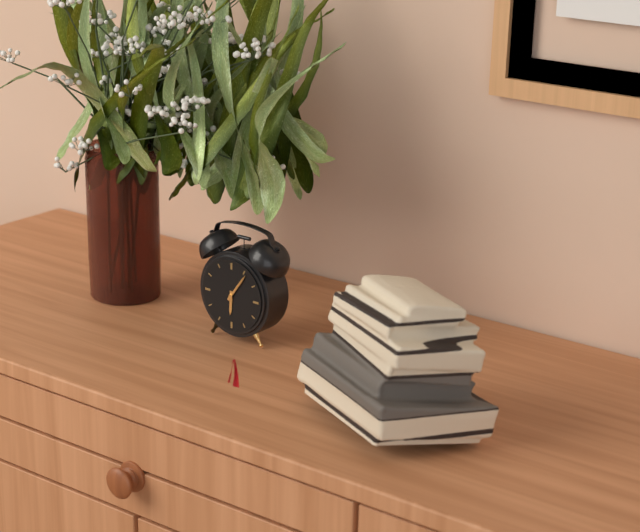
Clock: 6,06
